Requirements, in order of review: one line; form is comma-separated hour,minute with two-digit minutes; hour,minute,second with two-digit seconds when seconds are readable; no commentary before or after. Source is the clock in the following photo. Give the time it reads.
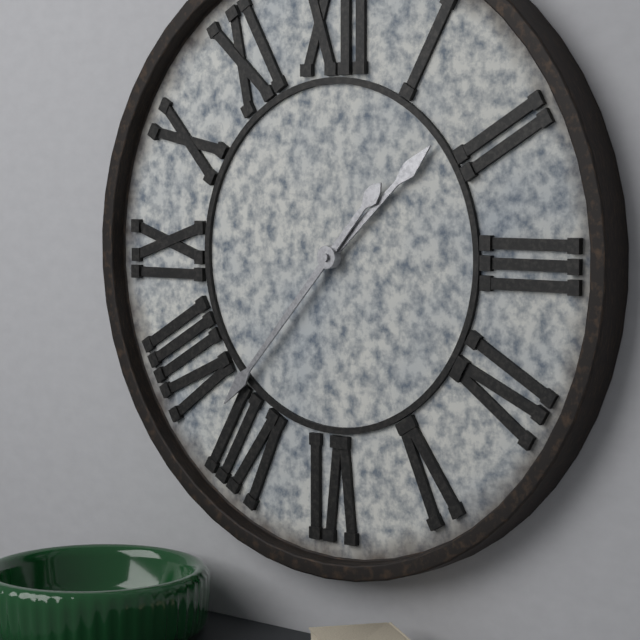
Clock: 1,37
